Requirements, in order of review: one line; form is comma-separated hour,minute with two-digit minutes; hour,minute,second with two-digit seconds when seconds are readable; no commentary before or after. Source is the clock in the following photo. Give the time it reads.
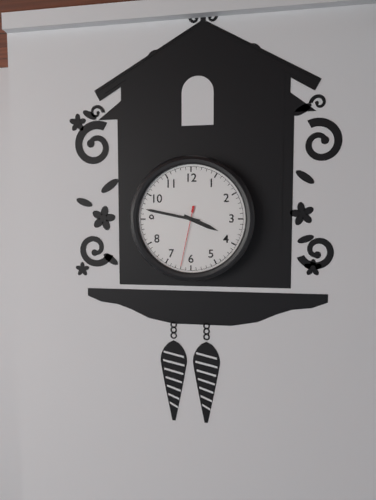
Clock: 3,47,32
